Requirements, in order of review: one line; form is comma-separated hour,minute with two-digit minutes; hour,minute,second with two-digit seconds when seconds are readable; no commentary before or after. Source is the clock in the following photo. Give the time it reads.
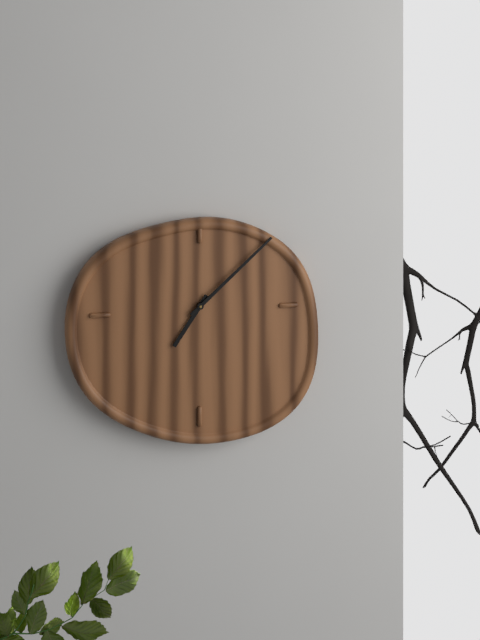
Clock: 7,08
